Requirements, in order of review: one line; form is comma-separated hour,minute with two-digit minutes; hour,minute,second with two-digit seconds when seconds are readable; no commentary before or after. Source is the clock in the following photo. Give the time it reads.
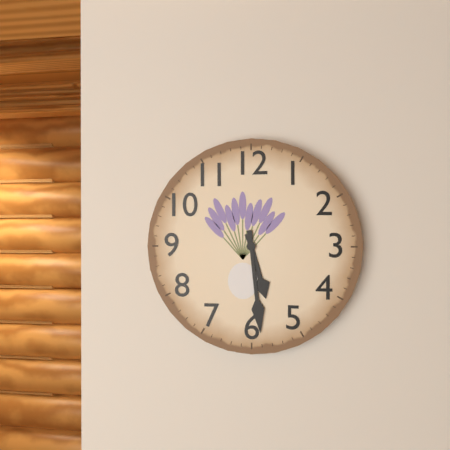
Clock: 5,29
